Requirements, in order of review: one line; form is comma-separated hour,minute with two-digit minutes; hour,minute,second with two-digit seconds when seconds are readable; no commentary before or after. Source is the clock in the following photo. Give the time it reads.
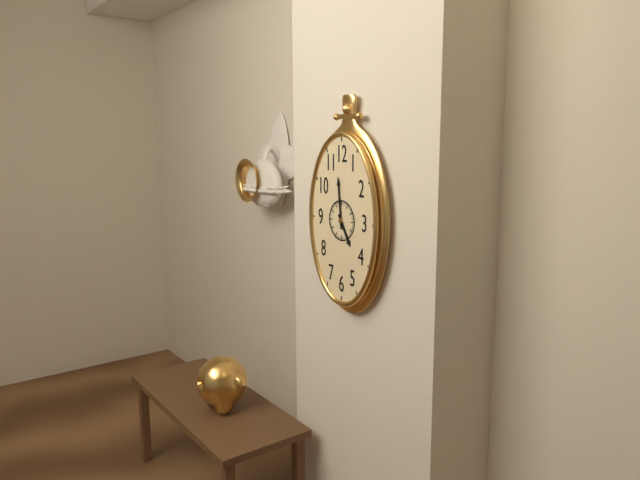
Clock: 4,59
